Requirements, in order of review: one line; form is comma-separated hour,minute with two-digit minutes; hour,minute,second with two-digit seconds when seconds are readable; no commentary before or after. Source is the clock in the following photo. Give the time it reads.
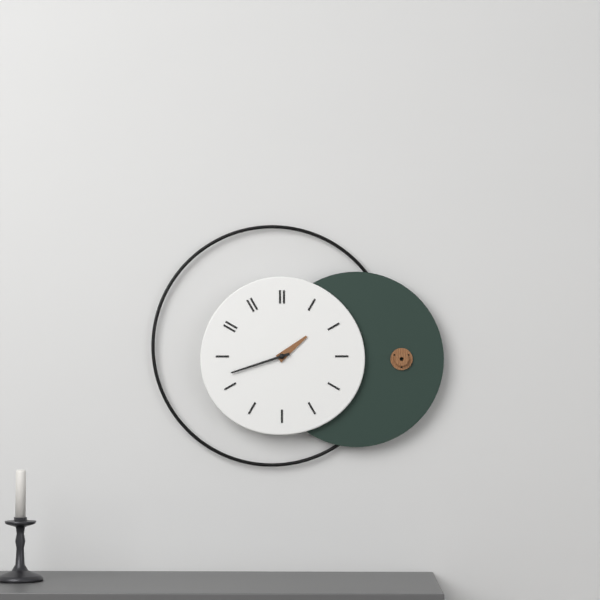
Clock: 1,42
